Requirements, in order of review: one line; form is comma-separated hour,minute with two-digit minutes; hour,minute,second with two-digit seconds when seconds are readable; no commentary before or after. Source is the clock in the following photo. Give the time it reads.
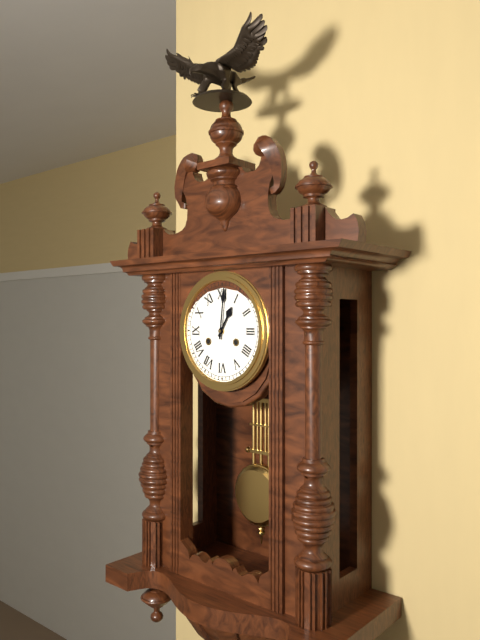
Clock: 1,01
